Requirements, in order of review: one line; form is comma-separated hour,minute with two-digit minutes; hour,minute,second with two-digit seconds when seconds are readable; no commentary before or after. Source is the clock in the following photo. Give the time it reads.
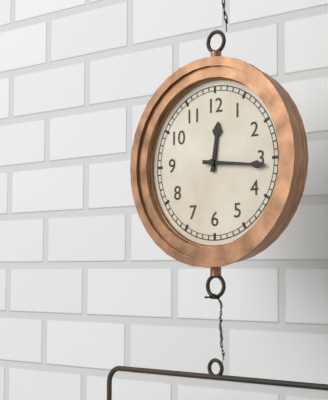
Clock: 12,16
